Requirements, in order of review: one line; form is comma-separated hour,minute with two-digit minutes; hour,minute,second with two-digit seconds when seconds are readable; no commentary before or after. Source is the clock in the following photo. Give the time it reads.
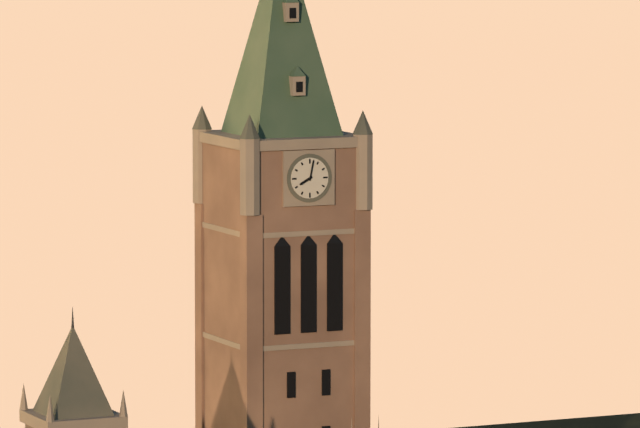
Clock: 8,02
